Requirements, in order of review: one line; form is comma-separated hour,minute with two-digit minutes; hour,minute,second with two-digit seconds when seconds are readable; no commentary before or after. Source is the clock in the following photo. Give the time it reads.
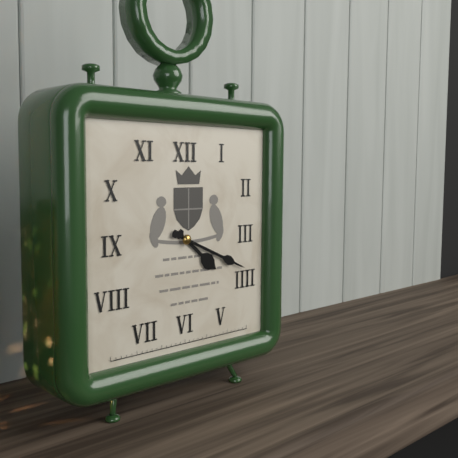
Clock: 4,19
